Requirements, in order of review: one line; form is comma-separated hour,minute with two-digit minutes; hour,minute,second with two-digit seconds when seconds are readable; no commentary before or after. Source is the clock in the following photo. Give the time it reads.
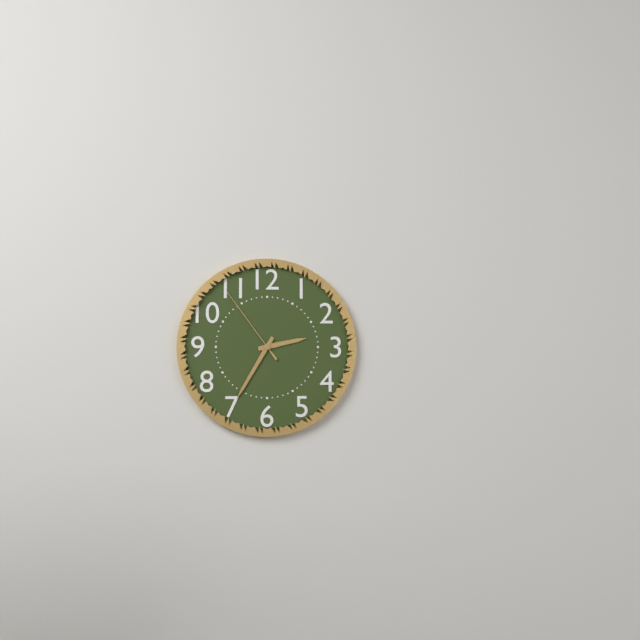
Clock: 2,35,54
